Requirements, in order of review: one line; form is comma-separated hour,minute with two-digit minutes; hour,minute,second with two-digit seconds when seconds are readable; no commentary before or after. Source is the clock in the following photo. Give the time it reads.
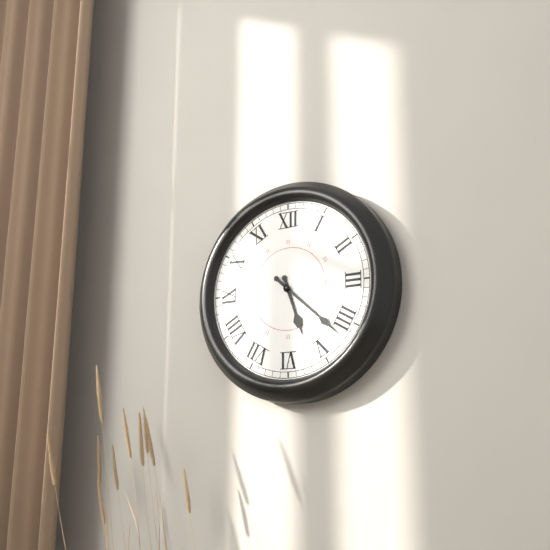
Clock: 5,22
